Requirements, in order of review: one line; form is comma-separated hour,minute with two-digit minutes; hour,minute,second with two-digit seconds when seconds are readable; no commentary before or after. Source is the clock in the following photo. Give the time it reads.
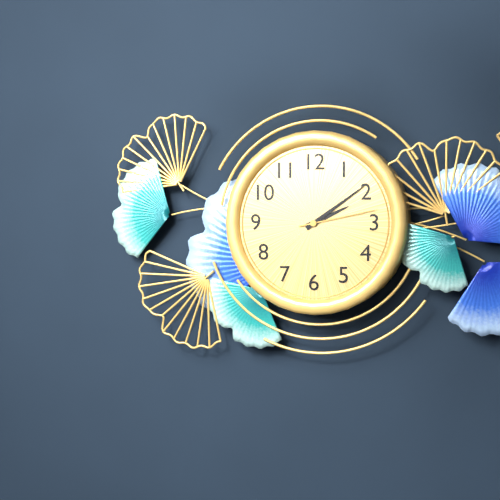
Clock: 2,09,13
